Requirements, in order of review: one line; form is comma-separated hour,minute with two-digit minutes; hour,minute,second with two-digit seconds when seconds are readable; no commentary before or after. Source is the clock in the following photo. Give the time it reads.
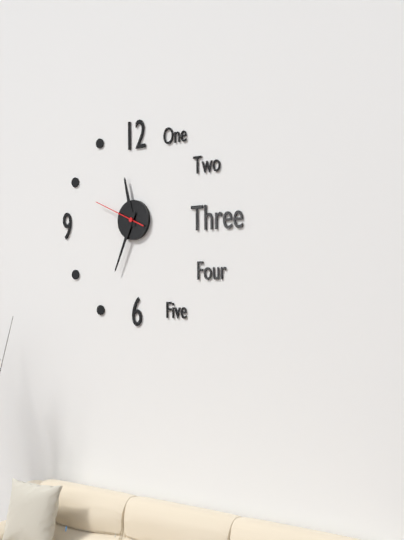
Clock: 11,34,49
